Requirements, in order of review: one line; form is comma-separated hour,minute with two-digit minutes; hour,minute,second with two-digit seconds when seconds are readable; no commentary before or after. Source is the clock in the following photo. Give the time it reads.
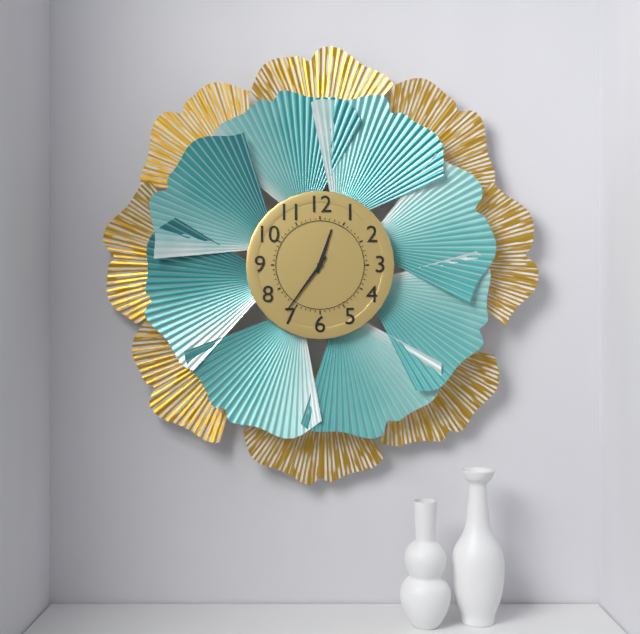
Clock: 12,36
